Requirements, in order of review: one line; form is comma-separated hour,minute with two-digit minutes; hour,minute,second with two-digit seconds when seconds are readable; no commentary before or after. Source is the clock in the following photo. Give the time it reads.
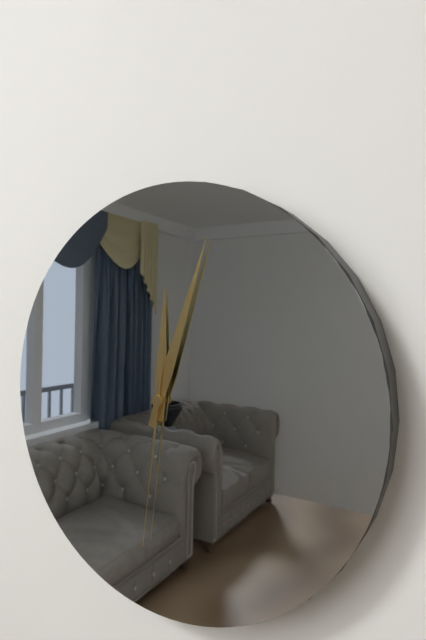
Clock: 12,03,31
